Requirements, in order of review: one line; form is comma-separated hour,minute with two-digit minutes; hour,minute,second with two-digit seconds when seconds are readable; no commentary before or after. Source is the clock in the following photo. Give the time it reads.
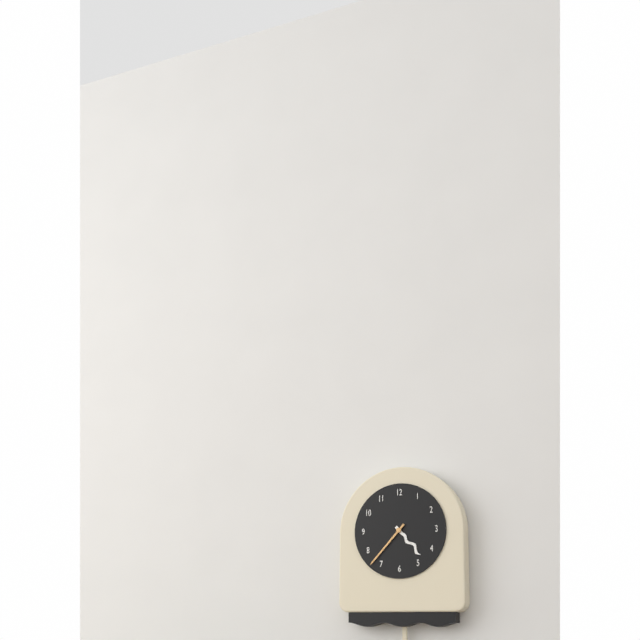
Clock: 4,37
